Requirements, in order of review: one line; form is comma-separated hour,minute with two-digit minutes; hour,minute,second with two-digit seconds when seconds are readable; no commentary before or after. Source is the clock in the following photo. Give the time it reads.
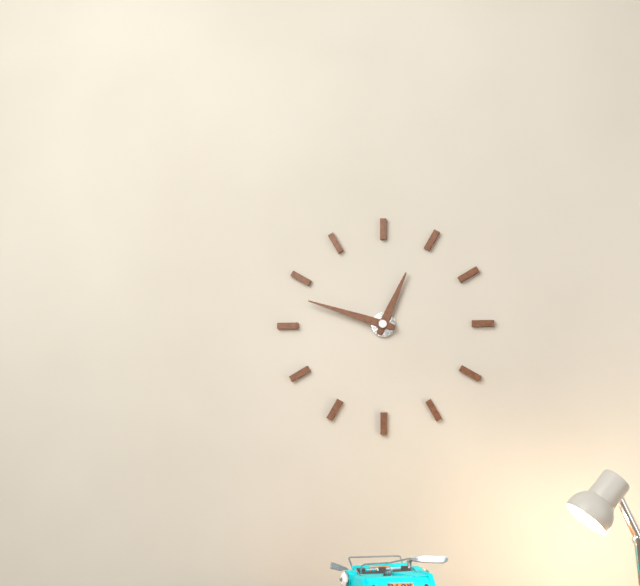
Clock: 12,48
